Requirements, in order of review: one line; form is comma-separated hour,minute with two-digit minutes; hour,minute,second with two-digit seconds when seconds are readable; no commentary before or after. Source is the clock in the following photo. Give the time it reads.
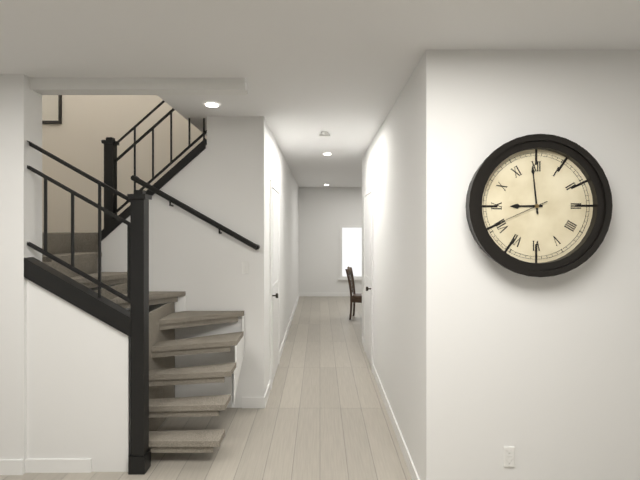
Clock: 8,59,41
